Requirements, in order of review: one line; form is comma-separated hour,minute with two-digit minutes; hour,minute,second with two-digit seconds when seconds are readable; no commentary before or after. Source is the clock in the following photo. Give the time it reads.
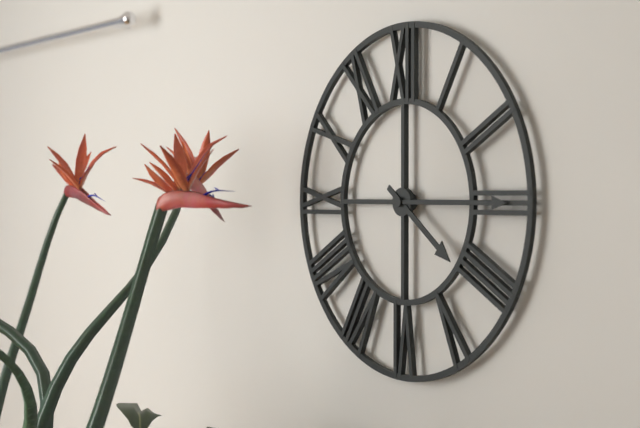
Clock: 4,15
